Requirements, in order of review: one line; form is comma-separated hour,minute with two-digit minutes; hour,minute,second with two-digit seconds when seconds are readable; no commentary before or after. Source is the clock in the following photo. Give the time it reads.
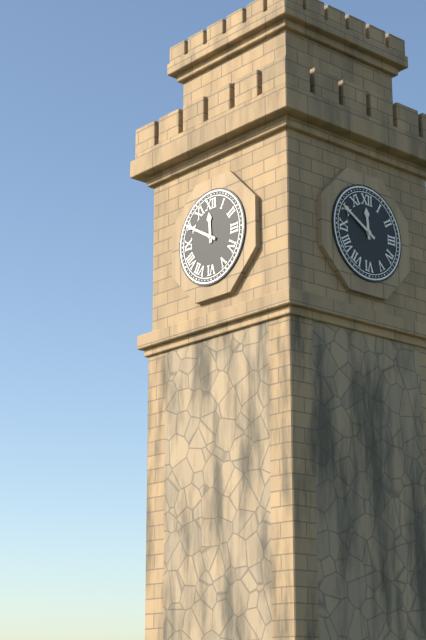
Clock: 11,50
